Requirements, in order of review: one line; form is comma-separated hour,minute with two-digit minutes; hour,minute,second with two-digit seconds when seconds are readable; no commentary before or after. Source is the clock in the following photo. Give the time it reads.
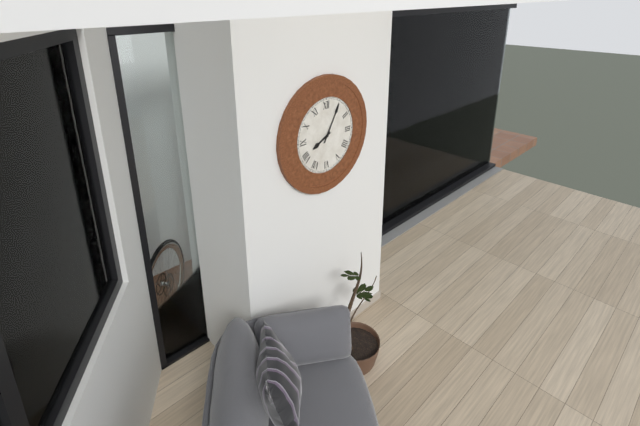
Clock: 8,05
